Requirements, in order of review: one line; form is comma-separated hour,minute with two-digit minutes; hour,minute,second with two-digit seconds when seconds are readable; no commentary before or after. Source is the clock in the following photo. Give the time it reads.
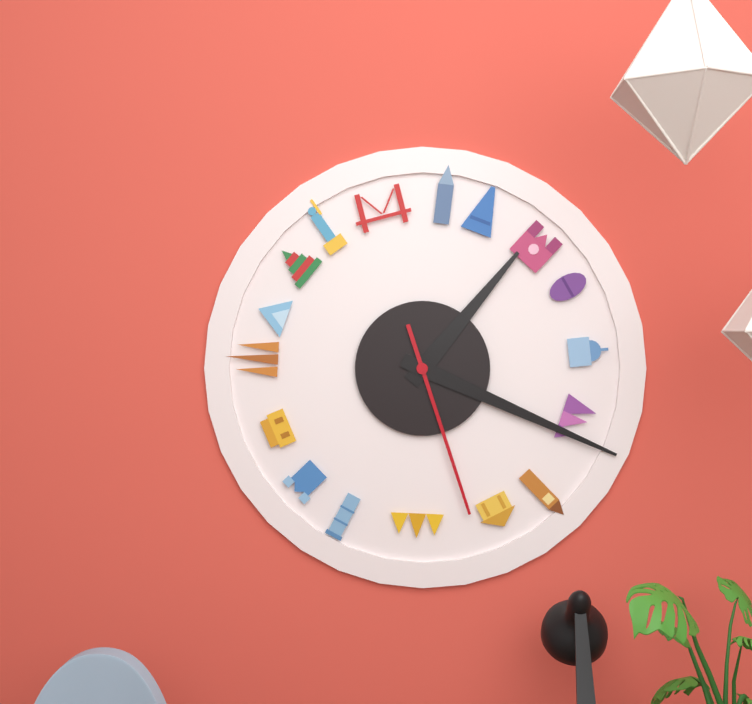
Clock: 1,19,27
